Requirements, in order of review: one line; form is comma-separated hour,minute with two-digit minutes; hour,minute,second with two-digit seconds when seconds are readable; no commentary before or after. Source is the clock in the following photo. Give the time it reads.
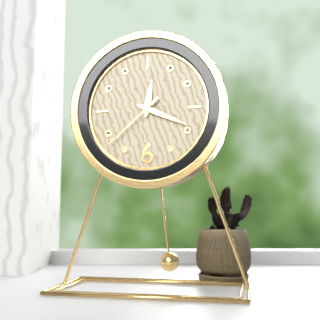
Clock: 12,19,38
